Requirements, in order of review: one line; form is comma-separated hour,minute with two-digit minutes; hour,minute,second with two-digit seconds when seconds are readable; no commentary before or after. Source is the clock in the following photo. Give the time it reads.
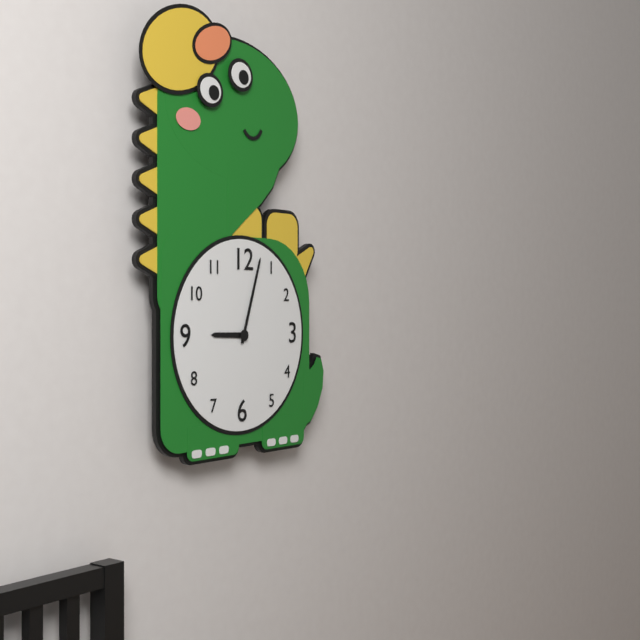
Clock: 9,03
